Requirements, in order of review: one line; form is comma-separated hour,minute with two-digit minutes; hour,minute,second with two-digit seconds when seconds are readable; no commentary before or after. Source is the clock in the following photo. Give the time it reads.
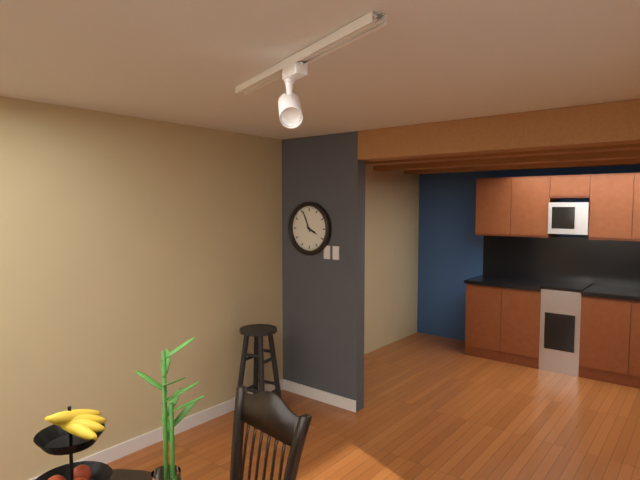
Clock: 3,56
